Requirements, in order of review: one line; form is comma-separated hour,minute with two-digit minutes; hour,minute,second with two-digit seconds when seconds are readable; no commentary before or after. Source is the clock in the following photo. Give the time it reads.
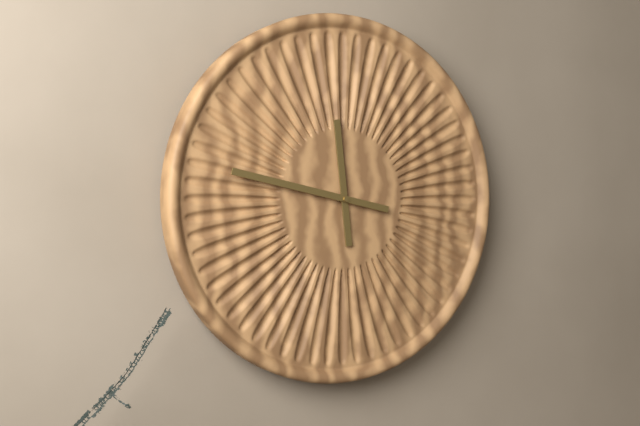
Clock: 11,47
